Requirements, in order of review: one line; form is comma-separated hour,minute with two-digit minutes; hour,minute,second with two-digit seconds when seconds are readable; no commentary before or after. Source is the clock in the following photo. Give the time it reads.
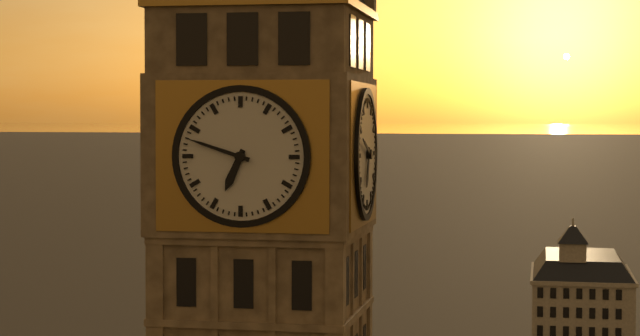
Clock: 6,48
